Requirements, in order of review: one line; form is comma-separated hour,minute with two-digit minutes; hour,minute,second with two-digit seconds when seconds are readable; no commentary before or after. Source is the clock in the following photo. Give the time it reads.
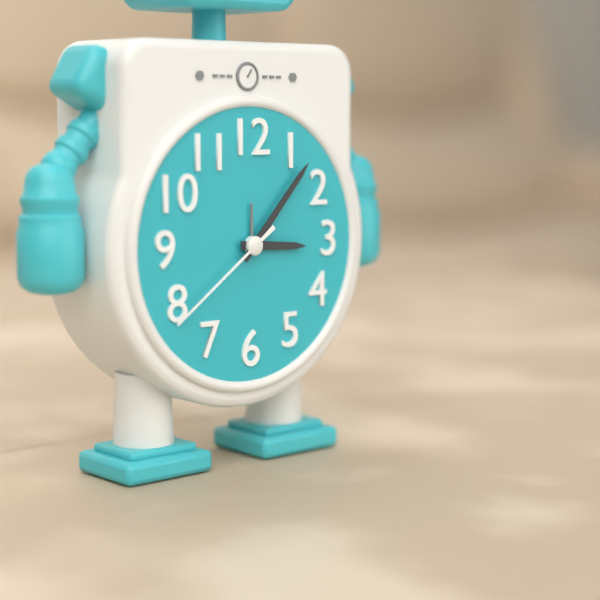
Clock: 3,07,39
